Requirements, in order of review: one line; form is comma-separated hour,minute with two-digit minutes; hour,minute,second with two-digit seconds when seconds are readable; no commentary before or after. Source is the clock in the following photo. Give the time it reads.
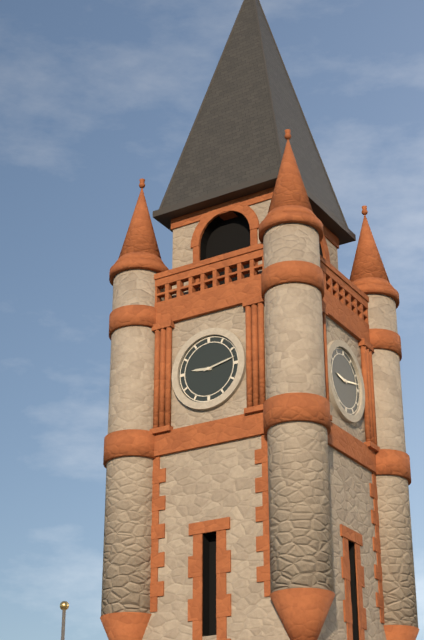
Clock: 9,13
